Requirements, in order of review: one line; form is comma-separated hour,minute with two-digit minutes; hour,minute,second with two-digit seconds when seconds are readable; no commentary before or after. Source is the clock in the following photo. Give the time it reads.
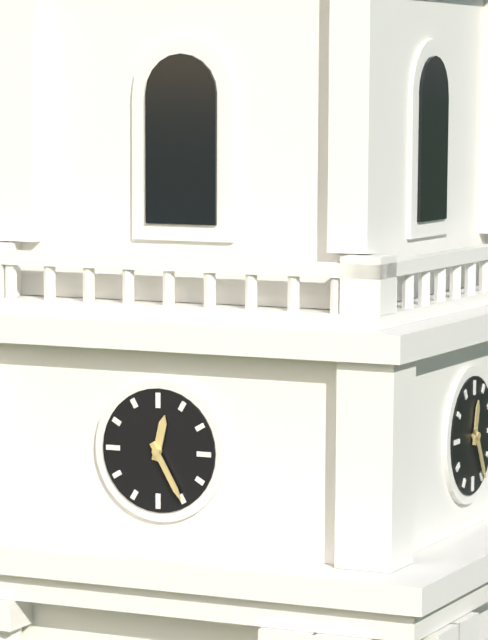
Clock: 12,25
